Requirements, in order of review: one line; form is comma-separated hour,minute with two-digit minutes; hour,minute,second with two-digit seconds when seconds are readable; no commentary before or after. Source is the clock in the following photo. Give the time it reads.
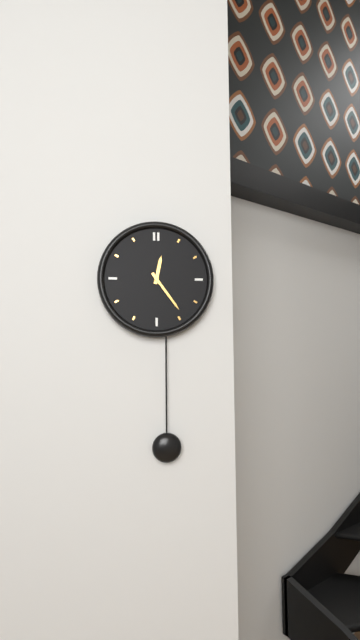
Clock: 12,24
